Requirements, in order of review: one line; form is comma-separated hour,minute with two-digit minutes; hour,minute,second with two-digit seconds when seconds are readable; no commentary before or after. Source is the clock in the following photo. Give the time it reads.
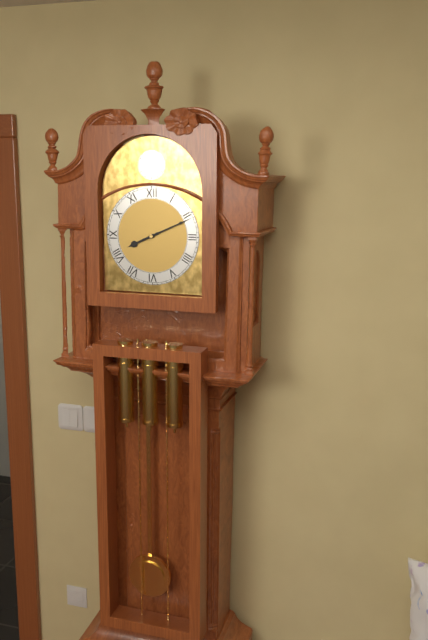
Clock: 8,11
